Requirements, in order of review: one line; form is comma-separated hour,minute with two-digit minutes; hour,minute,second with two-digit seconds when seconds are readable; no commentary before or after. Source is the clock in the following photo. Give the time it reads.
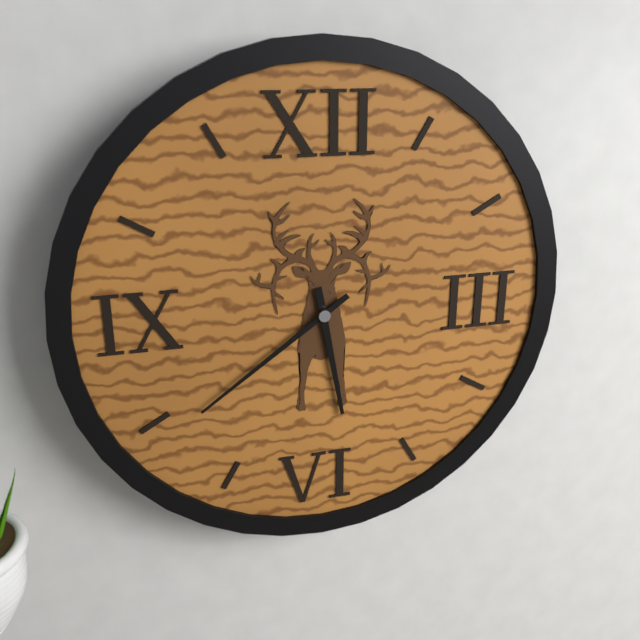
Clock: 5,39
